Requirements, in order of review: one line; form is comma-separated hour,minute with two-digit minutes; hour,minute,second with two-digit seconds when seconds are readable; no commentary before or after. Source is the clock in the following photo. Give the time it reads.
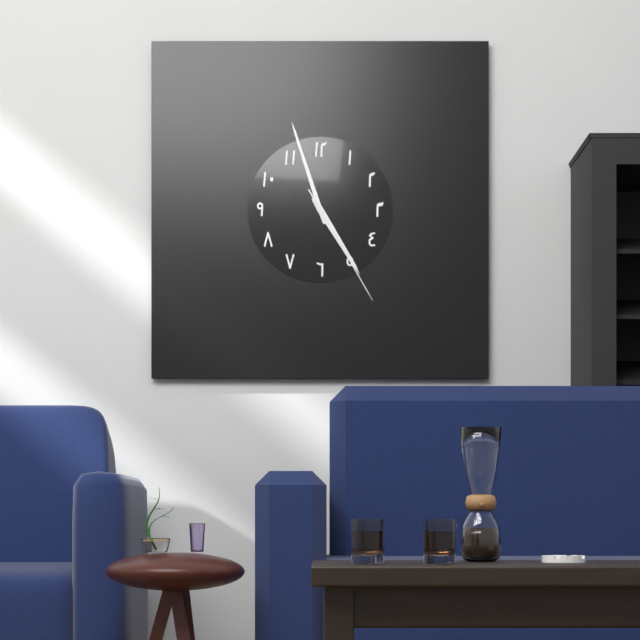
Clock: 4,57,25
